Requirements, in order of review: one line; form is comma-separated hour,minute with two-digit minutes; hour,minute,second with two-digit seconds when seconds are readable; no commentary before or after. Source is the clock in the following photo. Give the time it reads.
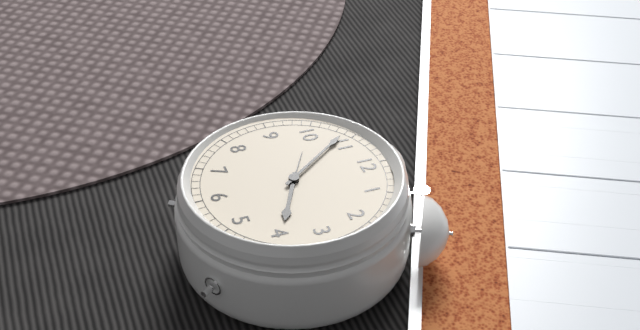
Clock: 3,54
